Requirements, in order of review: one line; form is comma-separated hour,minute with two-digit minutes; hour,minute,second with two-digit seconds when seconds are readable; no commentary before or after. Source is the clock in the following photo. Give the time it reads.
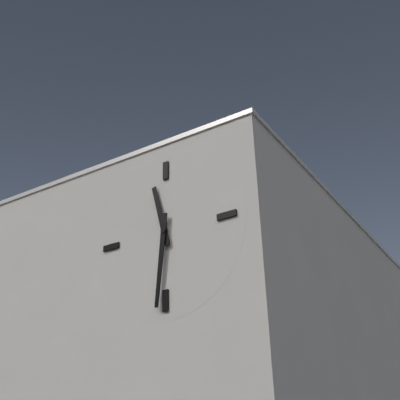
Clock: 11,31
